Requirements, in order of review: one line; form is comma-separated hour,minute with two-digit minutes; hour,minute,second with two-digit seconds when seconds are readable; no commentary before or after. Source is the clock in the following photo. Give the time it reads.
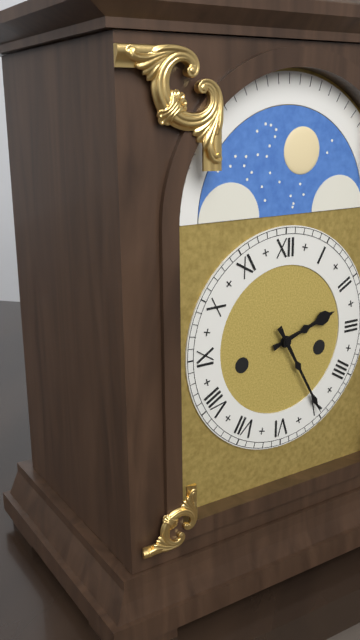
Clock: 2,25
